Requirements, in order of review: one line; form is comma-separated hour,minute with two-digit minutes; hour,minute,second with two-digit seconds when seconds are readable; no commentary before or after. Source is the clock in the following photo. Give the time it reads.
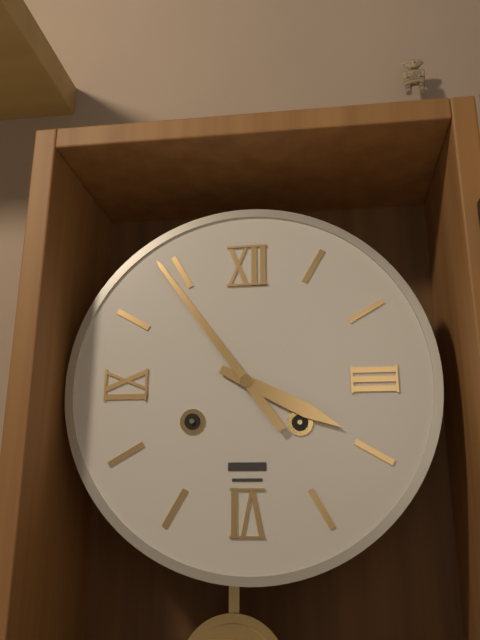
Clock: 3,54
